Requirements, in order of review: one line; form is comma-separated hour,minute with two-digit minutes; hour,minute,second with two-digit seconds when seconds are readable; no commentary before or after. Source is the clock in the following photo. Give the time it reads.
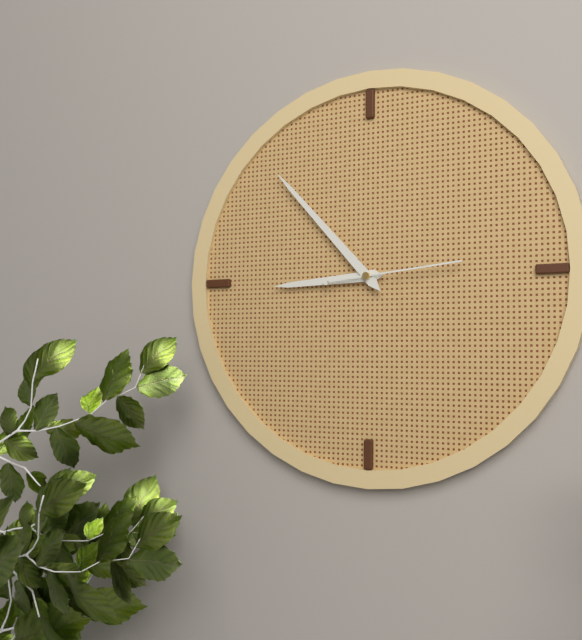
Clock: 8,53,14
